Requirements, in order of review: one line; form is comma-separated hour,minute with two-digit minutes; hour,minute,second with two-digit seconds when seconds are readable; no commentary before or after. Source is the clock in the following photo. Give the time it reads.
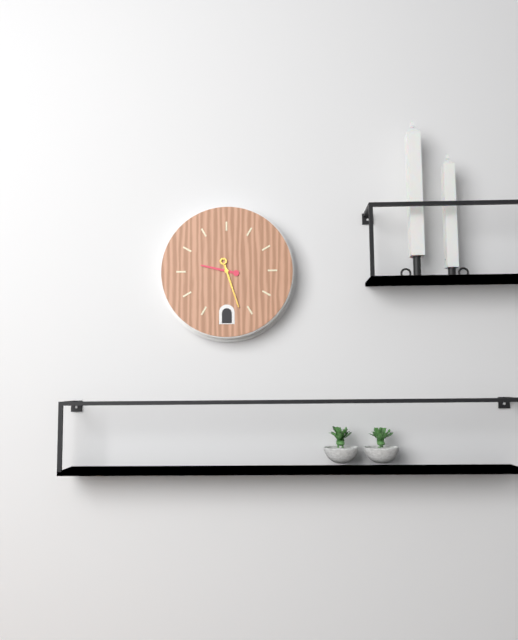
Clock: 9,27
